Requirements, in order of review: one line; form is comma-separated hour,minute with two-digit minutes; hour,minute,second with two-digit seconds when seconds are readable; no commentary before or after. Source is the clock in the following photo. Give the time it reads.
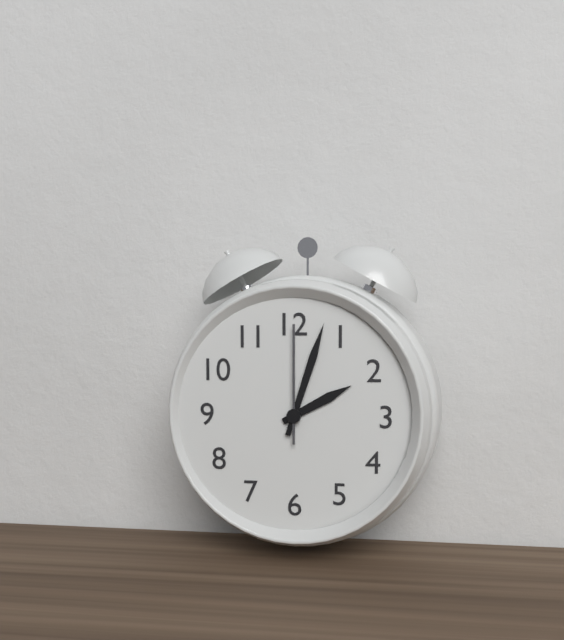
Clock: 2,03,00
